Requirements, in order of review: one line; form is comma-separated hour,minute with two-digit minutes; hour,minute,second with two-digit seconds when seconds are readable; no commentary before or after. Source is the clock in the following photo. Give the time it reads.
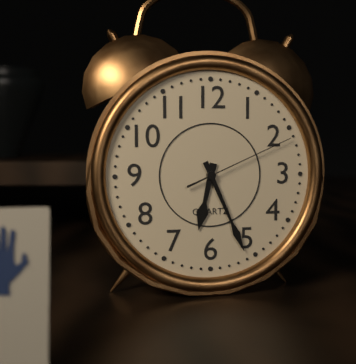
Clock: 6,26,11
